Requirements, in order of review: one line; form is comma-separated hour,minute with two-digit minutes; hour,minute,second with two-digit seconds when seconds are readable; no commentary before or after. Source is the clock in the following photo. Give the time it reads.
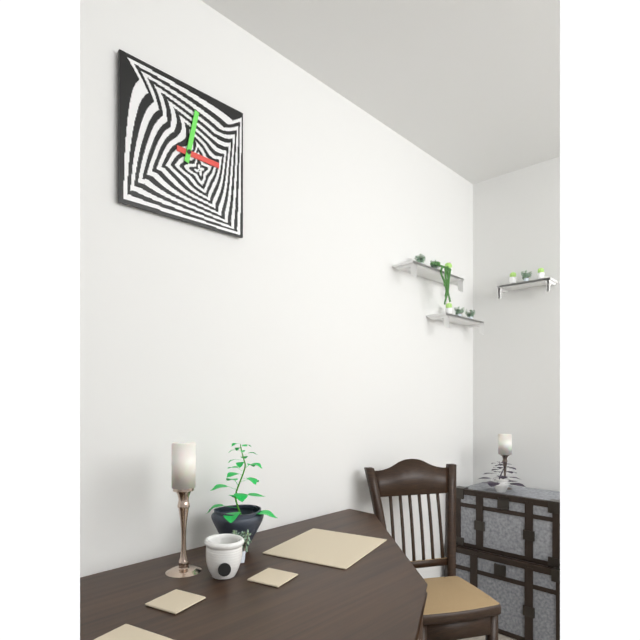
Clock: 3,02
